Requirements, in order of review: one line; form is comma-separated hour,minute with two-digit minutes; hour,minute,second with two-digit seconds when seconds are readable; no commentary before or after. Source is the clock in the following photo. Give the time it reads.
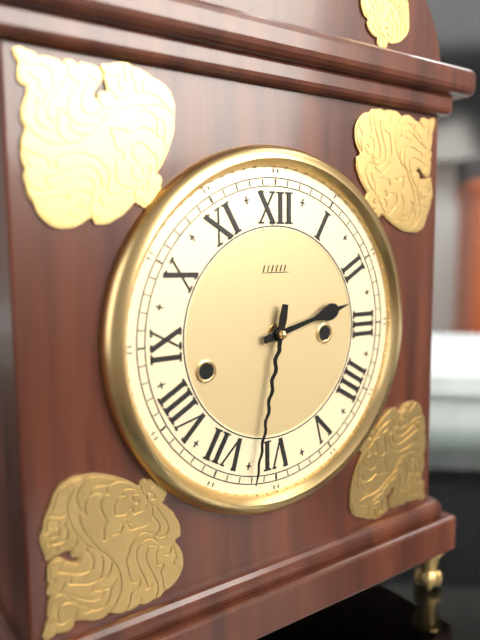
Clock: 2,32
